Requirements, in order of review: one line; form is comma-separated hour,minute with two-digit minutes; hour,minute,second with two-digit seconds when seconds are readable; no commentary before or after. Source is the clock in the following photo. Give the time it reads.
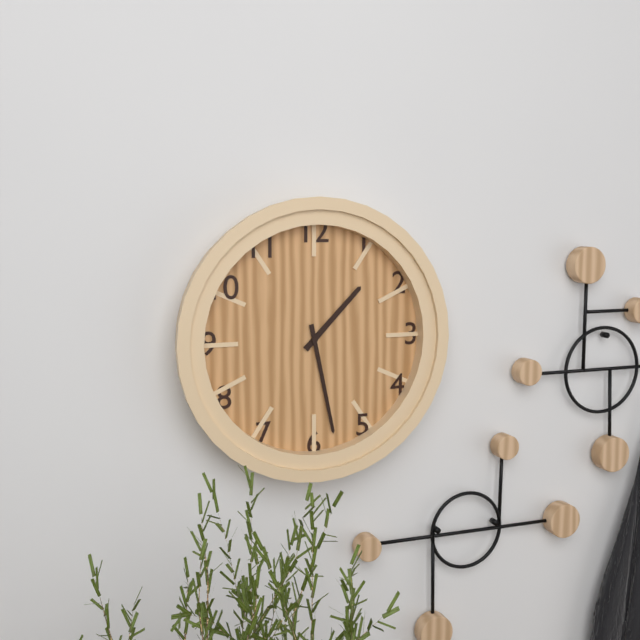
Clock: 1,28
